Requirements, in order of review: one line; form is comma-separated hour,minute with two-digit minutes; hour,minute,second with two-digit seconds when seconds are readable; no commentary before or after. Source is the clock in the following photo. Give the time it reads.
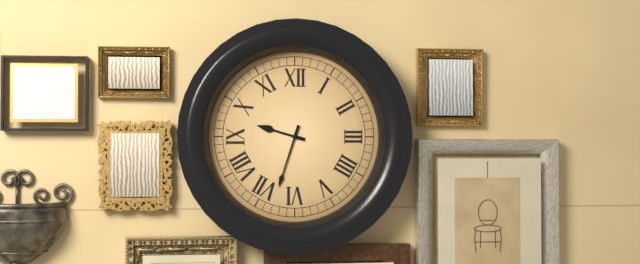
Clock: 9,33
